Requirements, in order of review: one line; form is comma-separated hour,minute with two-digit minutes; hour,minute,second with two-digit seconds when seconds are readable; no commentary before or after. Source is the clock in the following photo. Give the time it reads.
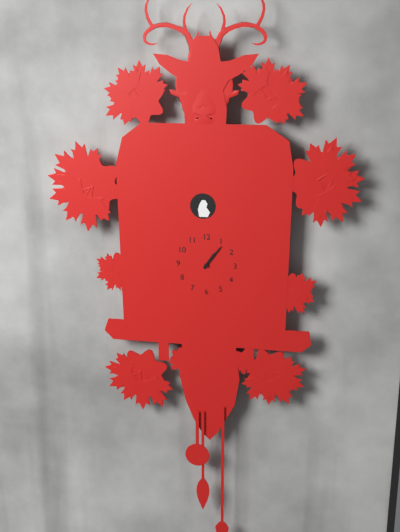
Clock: 1,06
